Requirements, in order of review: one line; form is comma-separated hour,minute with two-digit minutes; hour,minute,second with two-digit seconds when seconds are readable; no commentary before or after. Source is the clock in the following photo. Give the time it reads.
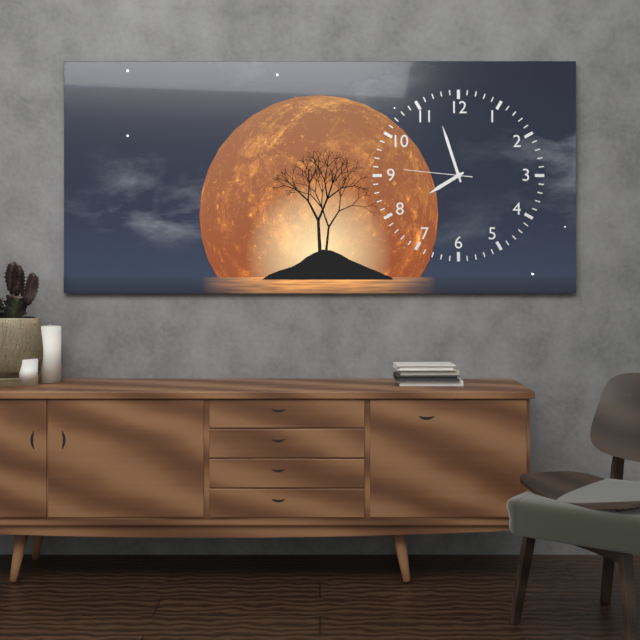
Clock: 7,57,46
